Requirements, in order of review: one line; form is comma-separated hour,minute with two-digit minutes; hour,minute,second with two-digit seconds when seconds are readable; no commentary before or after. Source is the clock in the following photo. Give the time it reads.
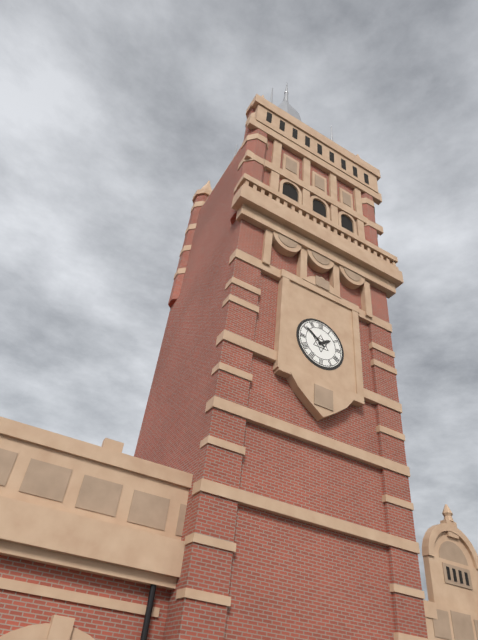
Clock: 1,51
